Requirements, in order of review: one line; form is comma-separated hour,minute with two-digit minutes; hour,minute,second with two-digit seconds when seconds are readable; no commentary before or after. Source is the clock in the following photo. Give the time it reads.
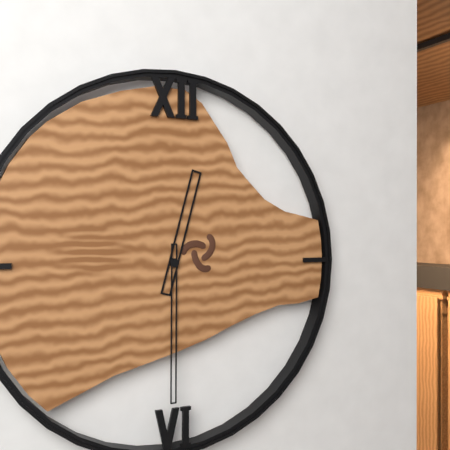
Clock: 12,30
